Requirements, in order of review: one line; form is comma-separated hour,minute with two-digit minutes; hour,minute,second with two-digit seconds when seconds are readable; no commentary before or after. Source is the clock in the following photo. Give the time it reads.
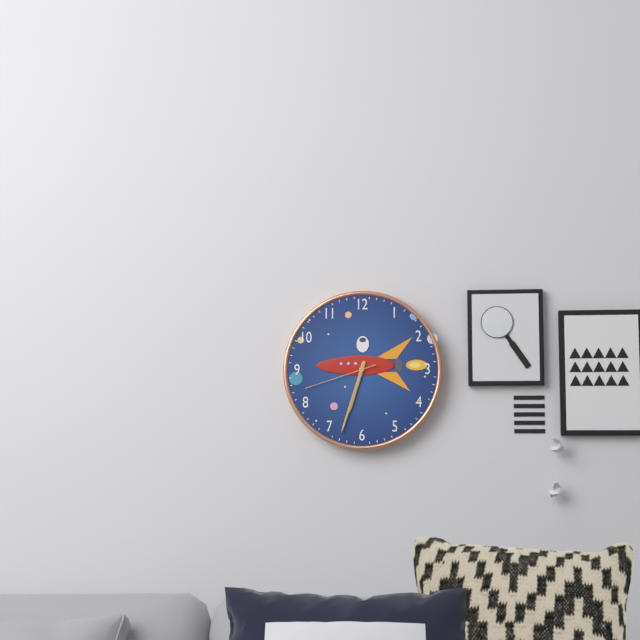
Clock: 6,33,42
